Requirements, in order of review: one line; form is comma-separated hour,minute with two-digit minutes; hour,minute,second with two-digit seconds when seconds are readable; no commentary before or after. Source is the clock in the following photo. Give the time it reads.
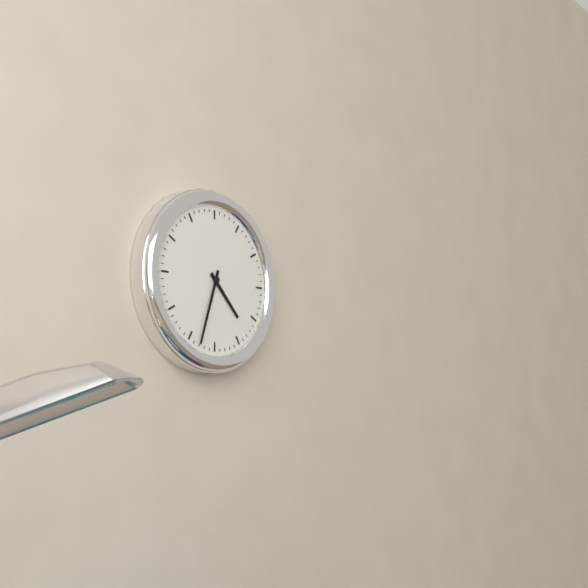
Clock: 4,33
